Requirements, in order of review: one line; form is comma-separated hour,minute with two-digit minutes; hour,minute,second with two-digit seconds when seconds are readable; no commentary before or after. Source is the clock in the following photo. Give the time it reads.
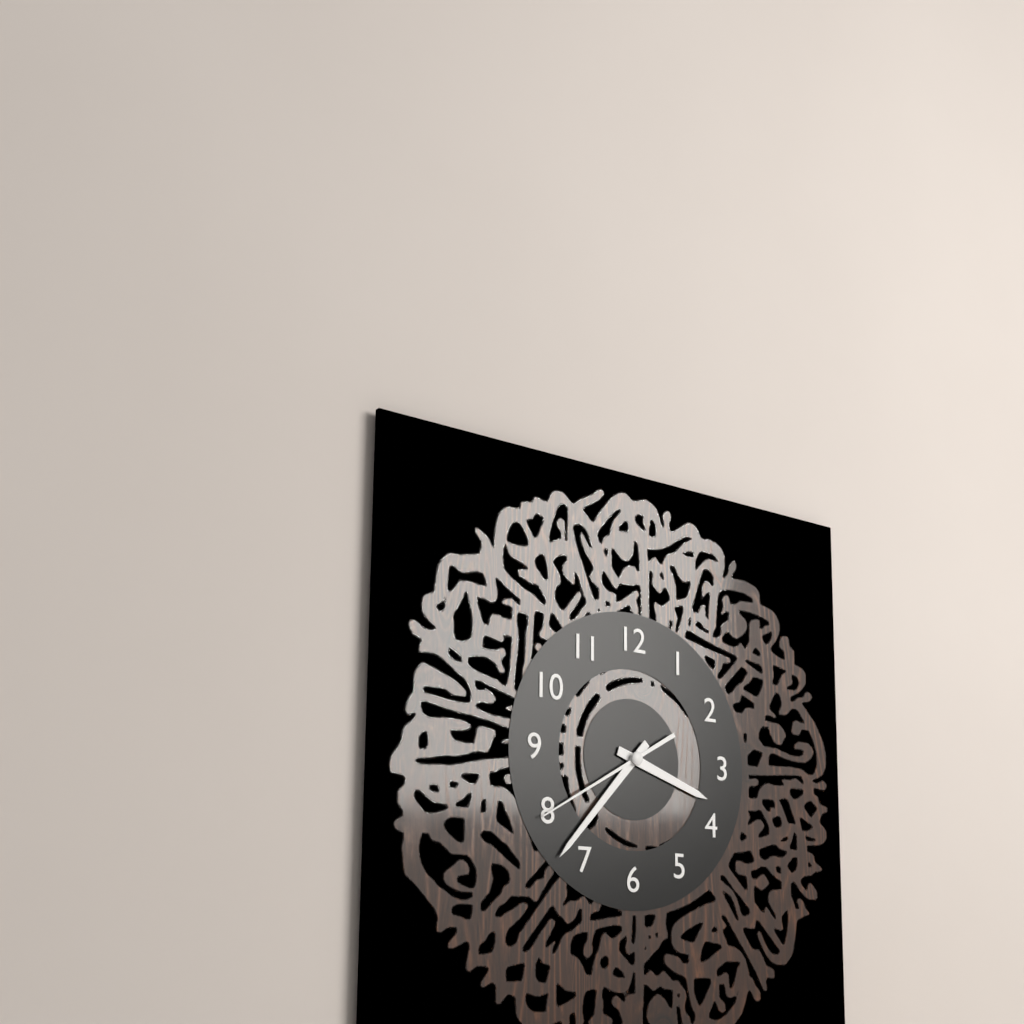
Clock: 3,37,40
